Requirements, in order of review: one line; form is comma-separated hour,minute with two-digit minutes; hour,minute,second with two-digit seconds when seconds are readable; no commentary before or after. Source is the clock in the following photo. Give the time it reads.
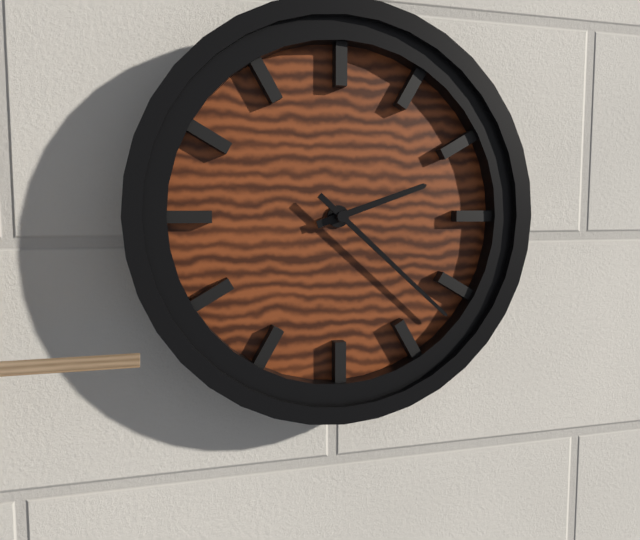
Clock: 2,22
